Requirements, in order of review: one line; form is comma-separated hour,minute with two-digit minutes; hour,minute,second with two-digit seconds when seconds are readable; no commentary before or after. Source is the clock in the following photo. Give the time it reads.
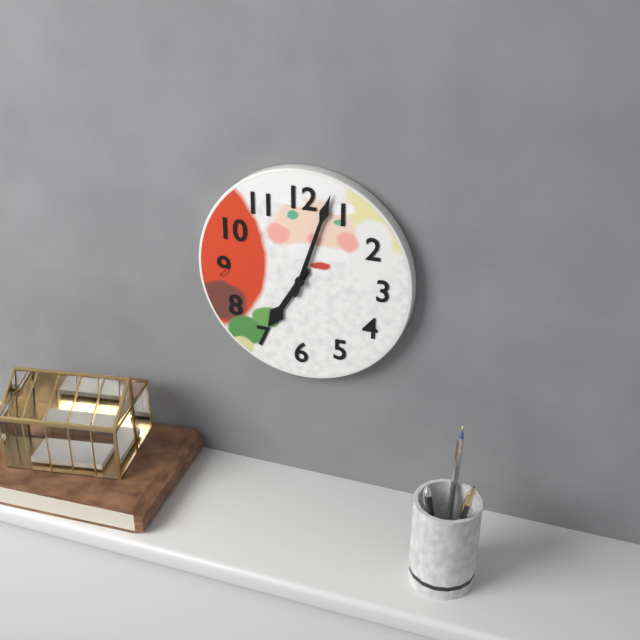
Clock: 7,03
